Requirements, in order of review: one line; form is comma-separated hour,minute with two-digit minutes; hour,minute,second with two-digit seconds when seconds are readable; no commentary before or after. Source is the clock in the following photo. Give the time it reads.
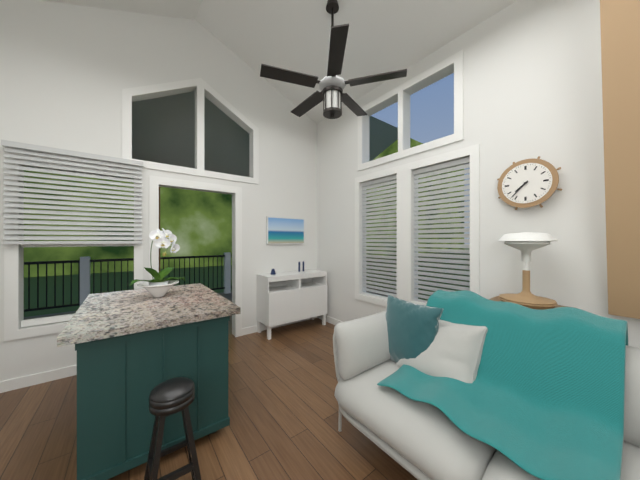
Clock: 7,37
